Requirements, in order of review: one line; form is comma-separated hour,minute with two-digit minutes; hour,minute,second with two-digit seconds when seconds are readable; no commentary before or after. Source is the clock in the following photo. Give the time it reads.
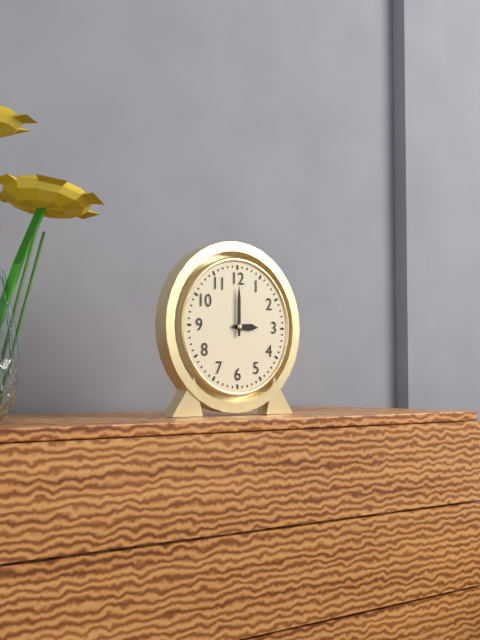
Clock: 3,00
